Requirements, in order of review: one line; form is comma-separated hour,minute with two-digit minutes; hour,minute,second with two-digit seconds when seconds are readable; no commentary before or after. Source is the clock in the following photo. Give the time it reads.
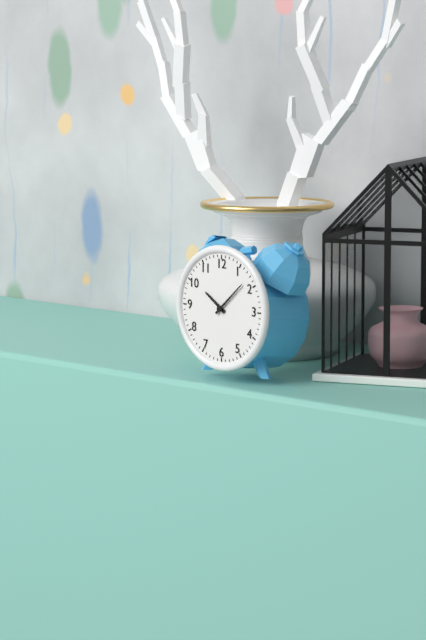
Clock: 10,08
